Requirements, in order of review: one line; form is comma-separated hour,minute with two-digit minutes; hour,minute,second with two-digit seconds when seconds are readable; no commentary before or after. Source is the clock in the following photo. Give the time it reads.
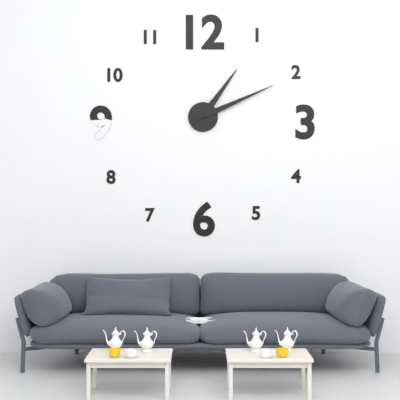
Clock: 1,11
